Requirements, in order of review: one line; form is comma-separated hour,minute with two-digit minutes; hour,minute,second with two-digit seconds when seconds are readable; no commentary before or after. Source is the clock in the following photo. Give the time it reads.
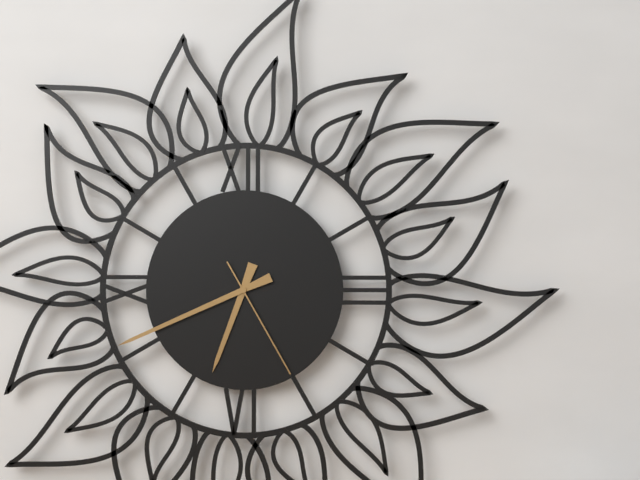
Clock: 6,41,25
